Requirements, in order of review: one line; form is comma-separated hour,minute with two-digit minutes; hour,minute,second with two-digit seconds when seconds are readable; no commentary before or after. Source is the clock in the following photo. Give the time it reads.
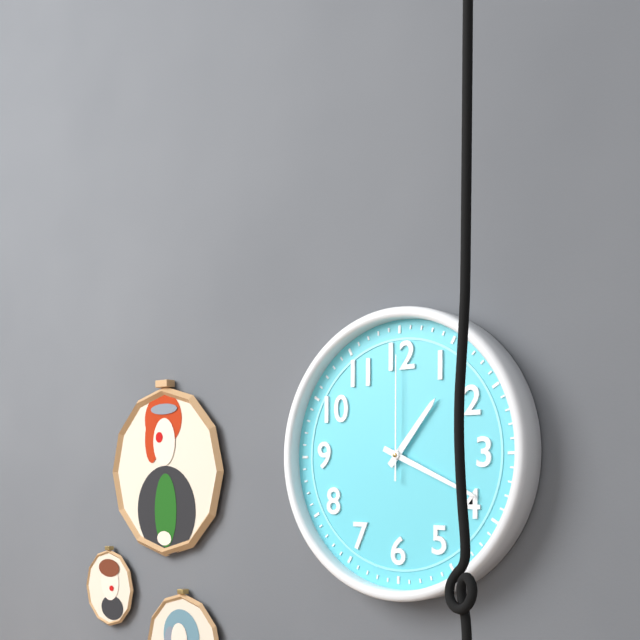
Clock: 1,19,00
